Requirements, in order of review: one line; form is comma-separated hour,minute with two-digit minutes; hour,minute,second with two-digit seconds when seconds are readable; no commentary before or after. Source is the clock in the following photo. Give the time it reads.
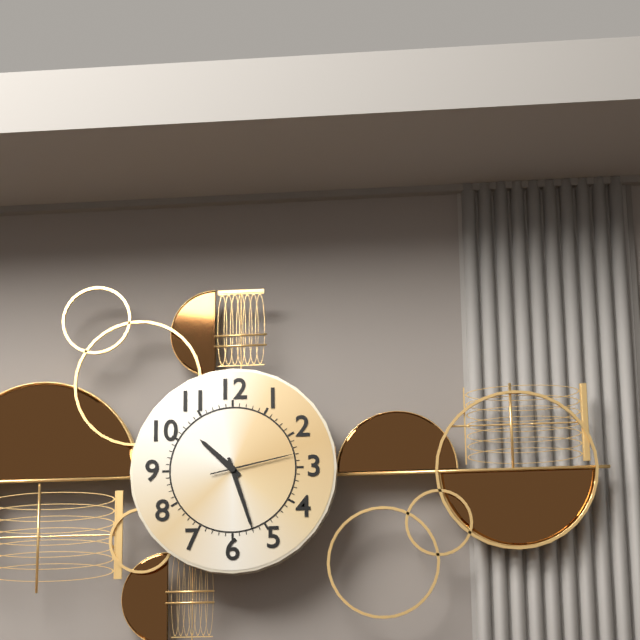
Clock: 10,27,13
